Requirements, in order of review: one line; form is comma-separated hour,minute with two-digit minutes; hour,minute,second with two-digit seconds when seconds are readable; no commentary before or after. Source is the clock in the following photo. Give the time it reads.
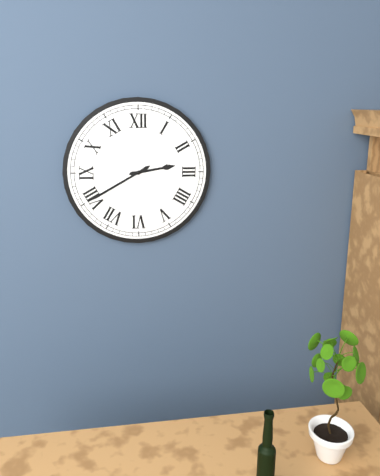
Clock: 2,40
